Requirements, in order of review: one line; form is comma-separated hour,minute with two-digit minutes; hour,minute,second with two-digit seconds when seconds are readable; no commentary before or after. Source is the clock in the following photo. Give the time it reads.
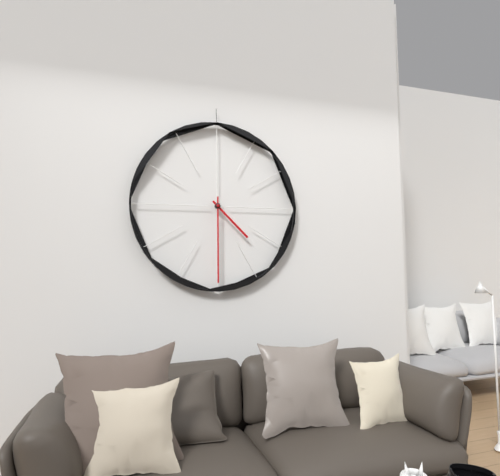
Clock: 4,30
